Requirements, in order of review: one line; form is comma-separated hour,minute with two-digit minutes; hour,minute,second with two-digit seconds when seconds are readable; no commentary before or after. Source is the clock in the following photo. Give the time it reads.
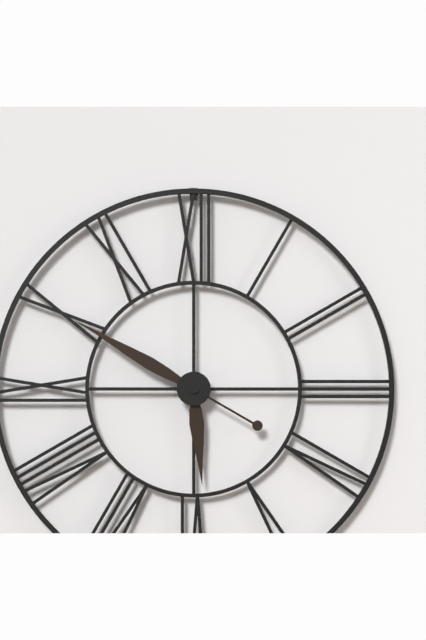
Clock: 5,50
